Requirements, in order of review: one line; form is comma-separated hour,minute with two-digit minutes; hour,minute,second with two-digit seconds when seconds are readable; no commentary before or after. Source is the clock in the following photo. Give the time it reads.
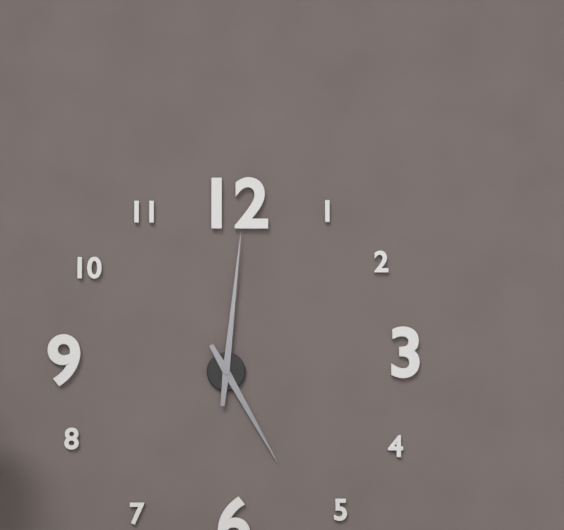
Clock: 5,01
